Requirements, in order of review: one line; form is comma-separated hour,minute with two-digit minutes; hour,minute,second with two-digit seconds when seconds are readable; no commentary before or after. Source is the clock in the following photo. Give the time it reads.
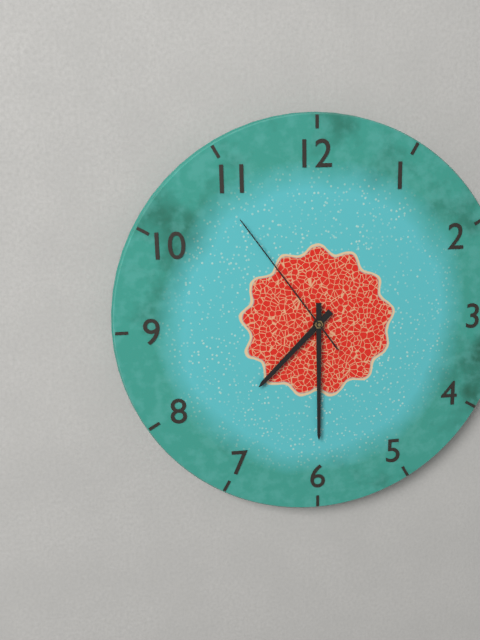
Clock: 7,30,54
